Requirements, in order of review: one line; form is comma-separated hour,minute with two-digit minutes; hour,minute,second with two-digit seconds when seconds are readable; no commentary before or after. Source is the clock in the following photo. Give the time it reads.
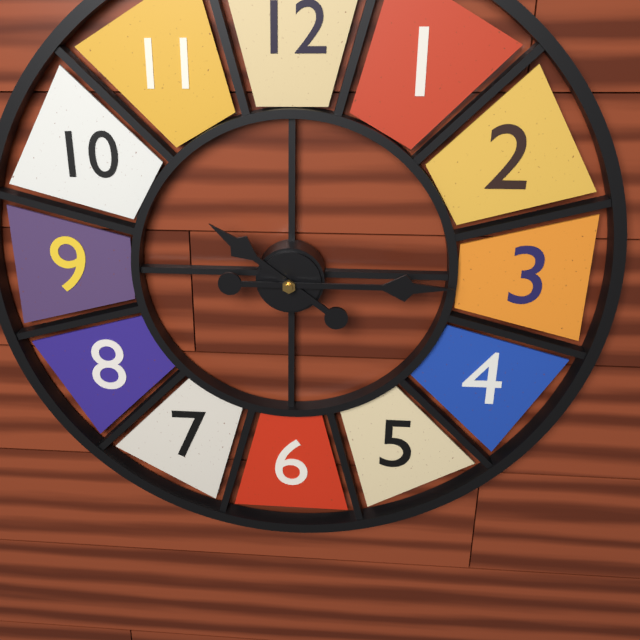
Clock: 10,15
